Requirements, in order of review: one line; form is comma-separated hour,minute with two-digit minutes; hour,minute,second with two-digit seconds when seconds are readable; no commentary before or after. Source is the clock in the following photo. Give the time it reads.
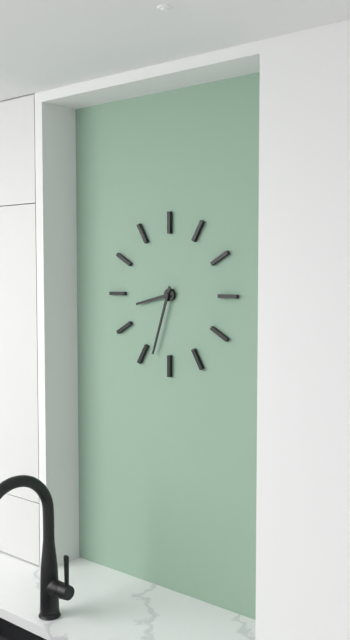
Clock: 8,33
